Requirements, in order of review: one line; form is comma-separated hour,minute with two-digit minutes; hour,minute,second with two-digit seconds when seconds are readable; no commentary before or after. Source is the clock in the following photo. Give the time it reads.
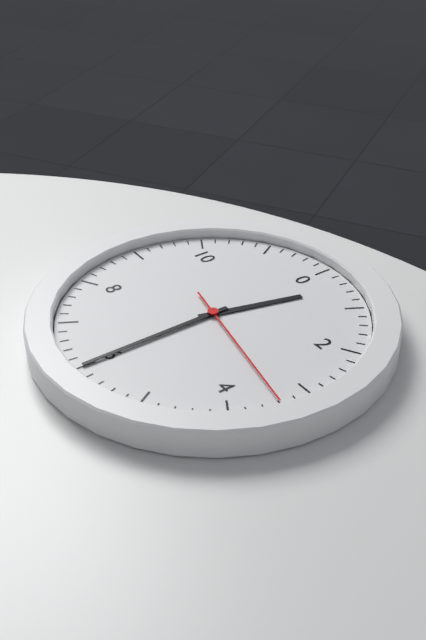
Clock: 12,30,17
